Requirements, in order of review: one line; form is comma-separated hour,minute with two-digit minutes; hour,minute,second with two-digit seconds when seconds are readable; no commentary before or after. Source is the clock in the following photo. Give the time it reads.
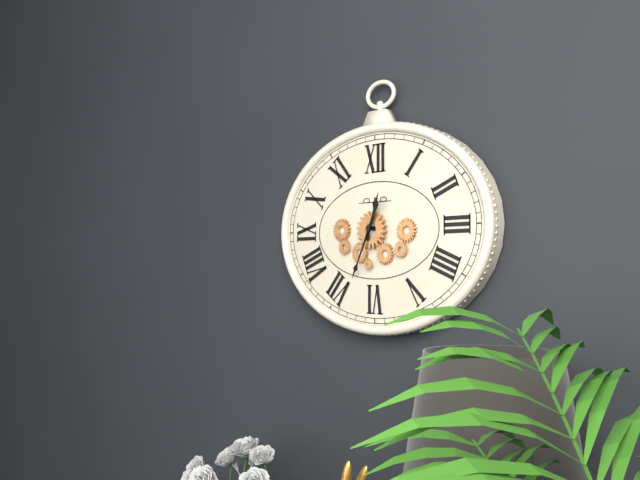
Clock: 12,34
